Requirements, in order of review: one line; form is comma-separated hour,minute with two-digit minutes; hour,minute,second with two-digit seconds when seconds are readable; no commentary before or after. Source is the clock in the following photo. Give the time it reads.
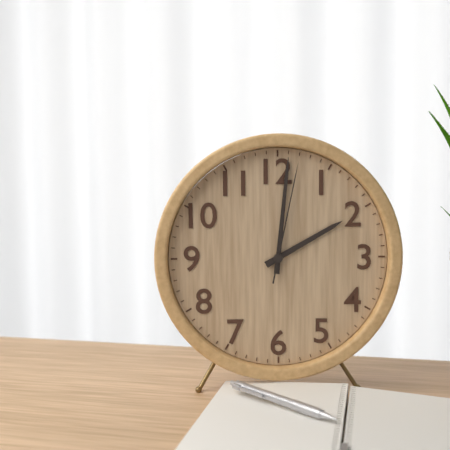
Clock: 2,01,02
